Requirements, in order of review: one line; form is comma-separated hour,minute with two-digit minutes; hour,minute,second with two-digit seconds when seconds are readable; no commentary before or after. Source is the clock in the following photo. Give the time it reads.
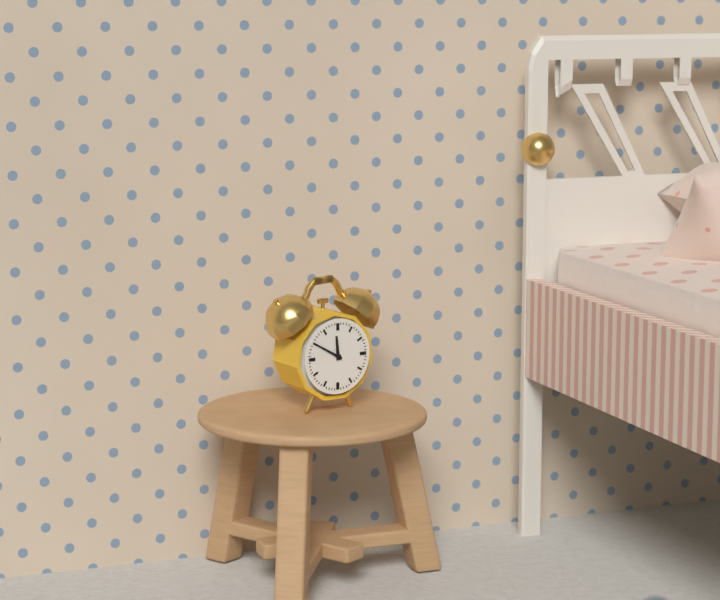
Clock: 11,50
